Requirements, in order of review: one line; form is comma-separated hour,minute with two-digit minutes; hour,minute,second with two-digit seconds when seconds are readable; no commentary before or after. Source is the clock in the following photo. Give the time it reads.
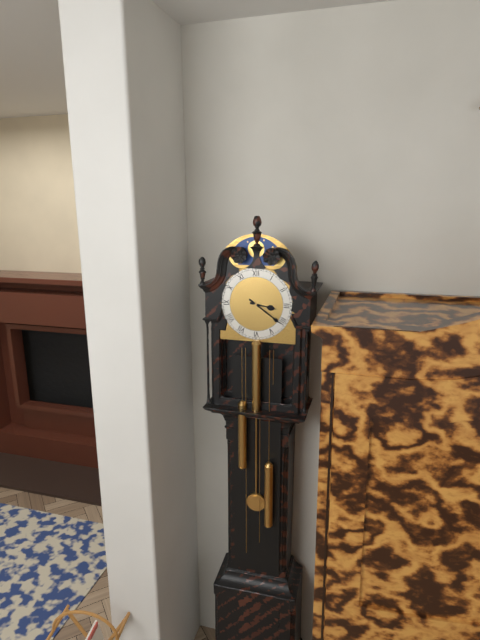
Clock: 3,21
